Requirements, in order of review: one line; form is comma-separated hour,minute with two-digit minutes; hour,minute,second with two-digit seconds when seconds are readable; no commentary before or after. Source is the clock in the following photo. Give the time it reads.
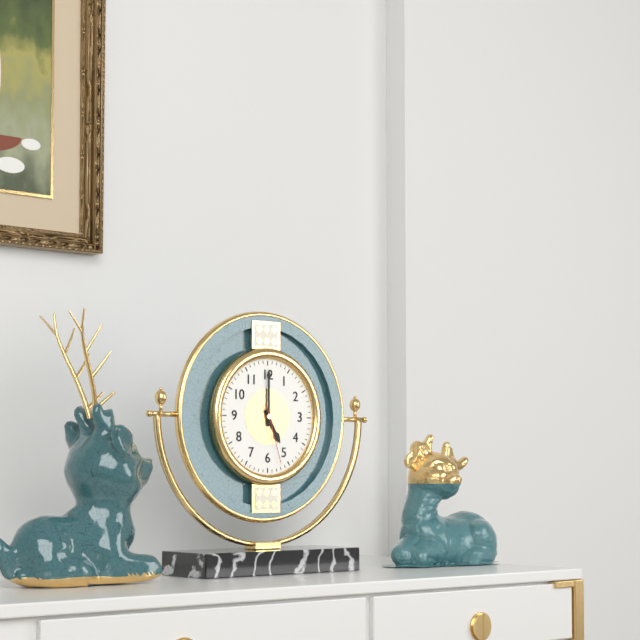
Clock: 5,00,27
